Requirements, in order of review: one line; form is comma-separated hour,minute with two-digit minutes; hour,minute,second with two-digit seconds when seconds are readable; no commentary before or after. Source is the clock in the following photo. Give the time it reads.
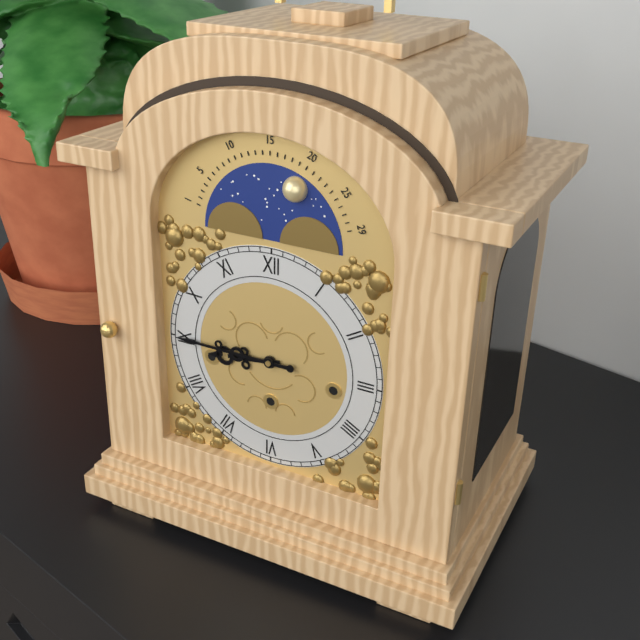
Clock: 8,45
